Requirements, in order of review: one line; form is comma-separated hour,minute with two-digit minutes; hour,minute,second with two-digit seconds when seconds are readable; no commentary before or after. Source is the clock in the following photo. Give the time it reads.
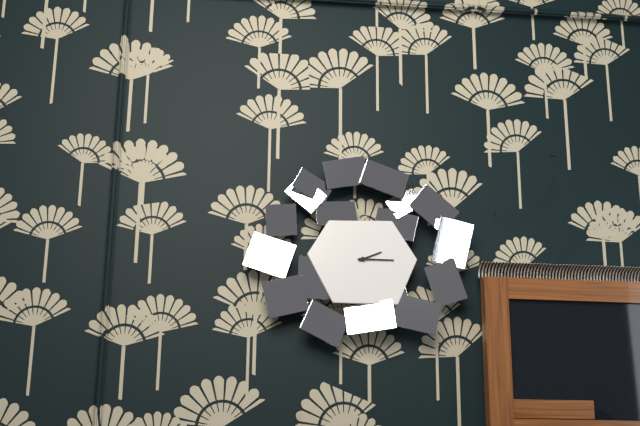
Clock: 2,15
